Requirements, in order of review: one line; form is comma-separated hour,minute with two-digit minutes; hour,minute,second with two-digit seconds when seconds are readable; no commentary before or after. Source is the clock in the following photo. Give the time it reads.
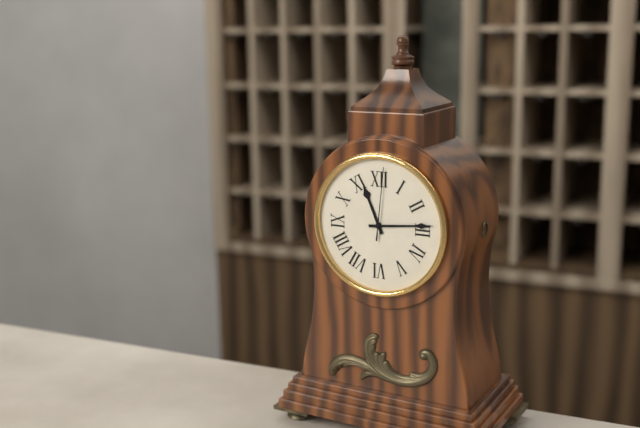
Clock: 11,14,01
